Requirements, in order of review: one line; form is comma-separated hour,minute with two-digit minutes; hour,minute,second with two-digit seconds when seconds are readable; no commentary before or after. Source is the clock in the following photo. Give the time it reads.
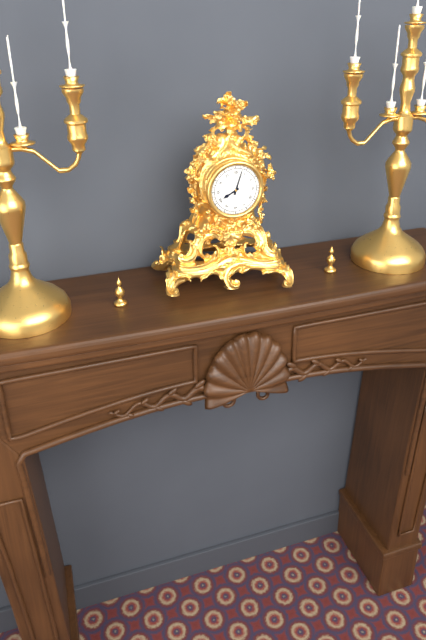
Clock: 8,03
